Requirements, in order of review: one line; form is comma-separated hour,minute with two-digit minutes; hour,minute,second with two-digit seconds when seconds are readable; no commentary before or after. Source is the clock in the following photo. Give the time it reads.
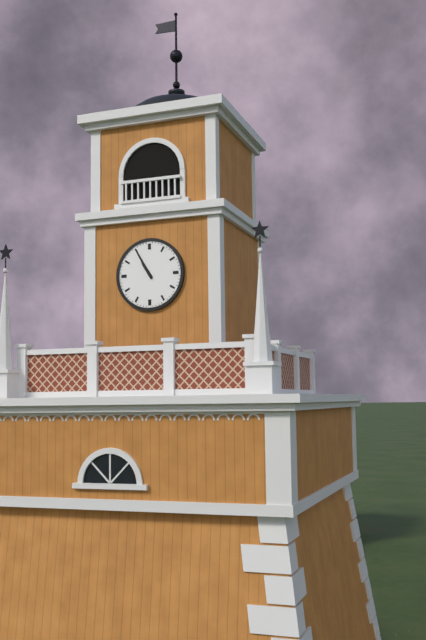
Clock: 10,55
